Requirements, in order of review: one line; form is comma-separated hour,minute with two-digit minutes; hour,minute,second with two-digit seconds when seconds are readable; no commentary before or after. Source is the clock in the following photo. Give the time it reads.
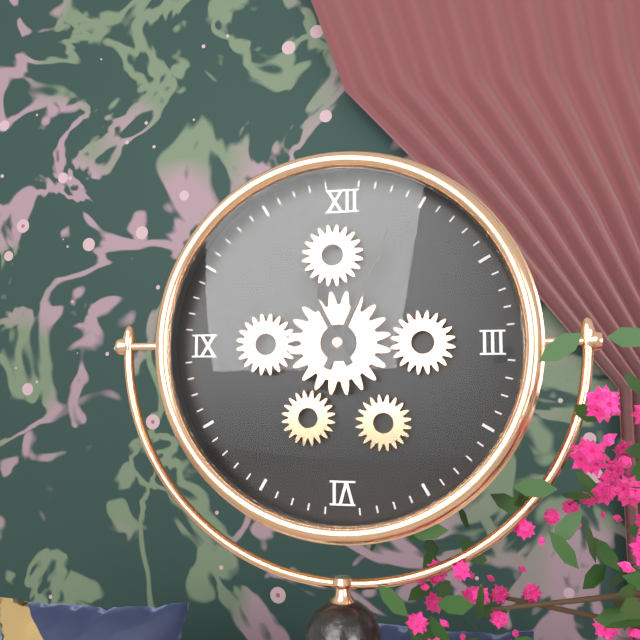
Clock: 11,04
